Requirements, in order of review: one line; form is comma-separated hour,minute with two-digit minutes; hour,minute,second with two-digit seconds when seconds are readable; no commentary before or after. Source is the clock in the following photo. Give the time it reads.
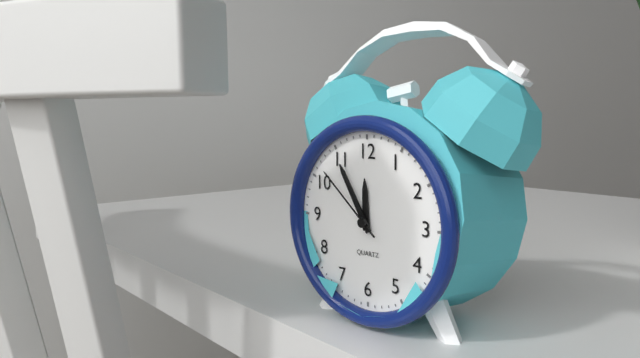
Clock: 11,55,52
